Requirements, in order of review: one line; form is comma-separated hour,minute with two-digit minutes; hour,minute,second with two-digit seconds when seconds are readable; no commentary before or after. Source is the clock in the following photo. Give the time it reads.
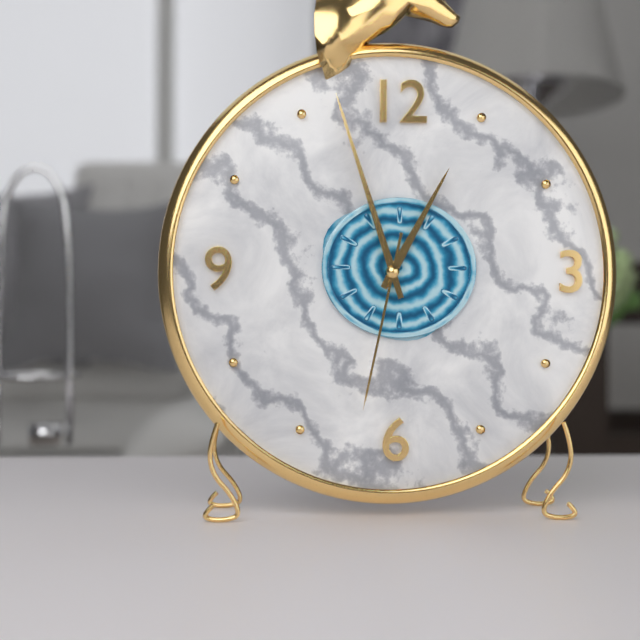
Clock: 12,57,32
